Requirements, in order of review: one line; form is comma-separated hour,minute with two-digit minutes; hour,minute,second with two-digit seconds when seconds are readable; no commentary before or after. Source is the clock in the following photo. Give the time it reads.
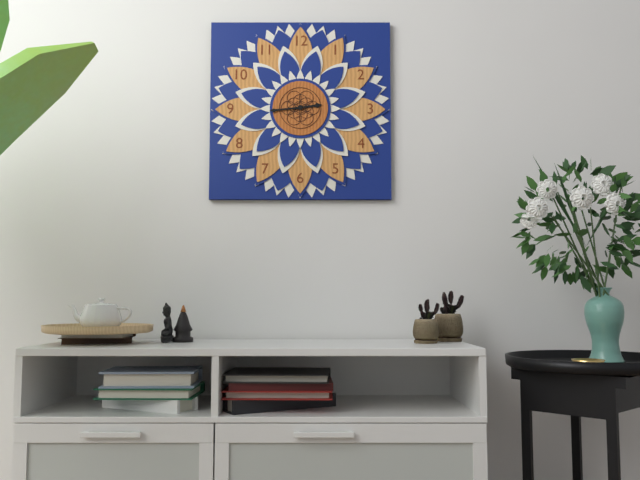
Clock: 2,44
